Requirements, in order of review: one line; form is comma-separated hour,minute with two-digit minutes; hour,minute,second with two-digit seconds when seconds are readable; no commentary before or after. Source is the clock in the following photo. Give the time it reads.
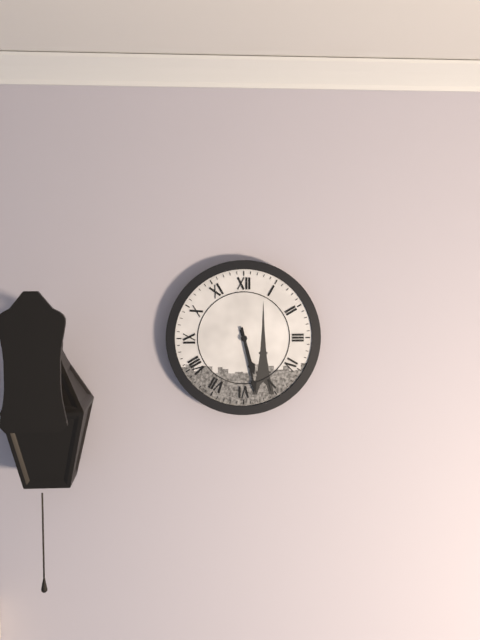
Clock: 5,28
